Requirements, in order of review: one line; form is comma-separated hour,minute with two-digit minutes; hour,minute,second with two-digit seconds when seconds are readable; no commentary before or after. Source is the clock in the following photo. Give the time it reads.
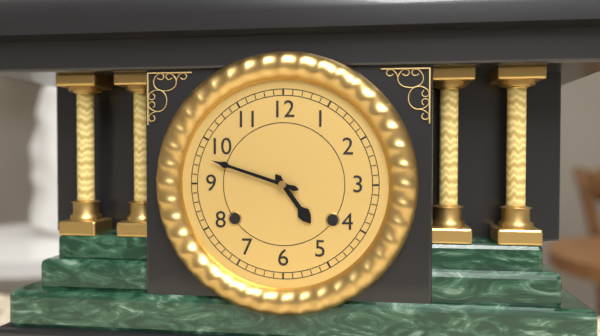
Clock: 4,48
